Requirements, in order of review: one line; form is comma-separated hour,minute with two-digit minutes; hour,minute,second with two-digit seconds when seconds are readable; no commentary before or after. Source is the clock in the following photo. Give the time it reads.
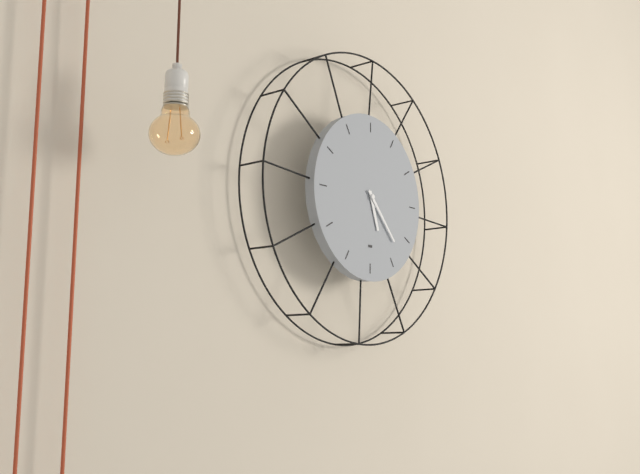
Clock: 5,23
